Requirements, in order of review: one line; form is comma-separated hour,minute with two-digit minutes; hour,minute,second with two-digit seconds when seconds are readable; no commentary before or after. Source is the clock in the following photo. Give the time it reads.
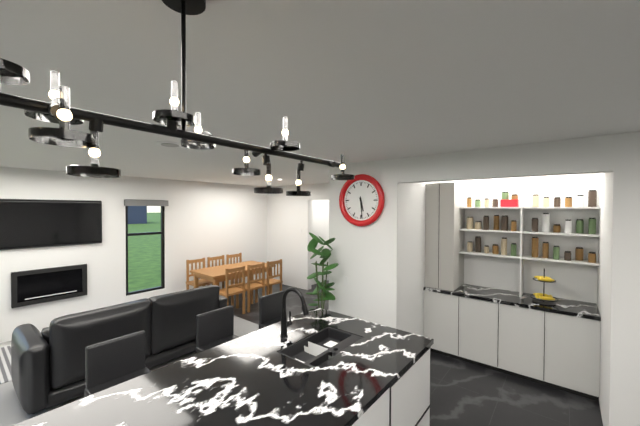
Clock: 5,29
